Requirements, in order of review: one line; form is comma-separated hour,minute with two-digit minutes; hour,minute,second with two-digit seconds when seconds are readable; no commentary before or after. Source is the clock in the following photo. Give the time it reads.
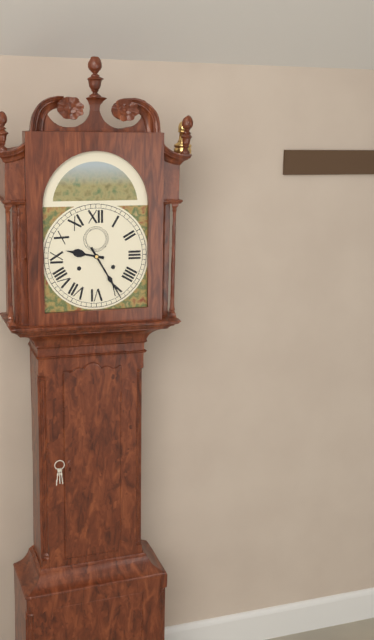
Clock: 9,25
